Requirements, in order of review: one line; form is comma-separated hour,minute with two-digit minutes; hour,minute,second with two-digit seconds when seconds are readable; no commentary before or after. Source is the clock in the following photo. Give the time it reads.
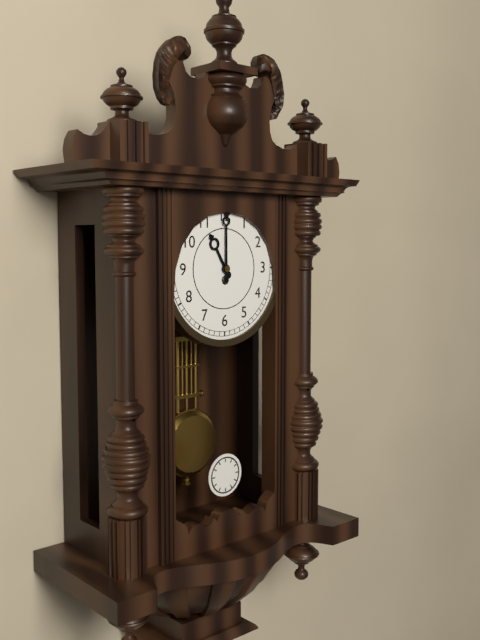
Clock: 11,00
